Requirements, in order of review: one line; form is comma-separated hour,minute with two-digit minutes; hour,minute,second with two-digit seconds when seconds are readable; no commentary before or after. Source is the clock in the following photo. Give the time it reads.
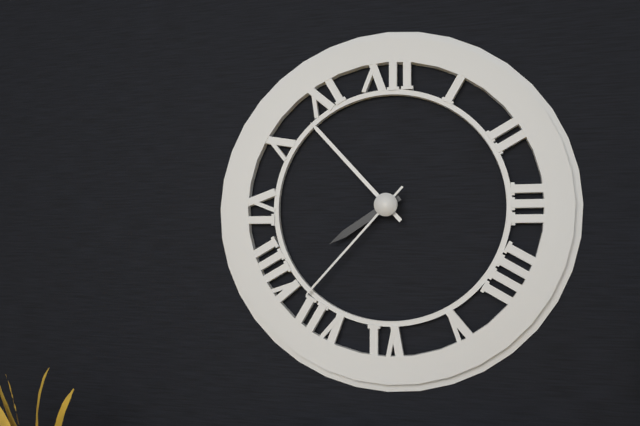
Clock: 7,53,37
